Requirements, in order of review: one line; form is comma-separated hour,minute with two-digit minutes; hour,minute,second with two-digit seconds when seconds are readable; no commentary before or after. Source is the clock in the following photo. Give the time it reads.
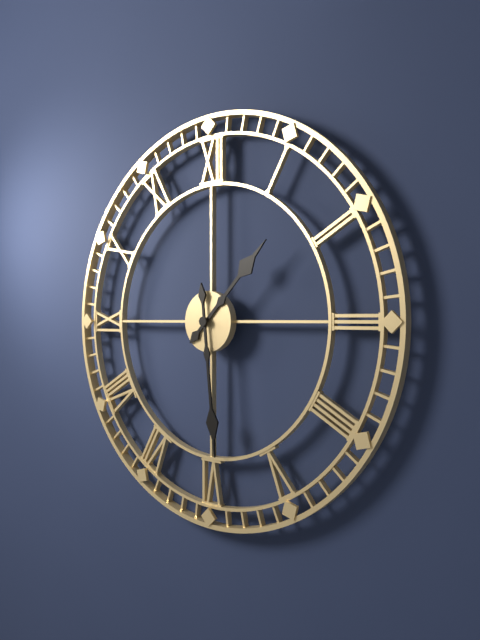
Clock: 1,29
